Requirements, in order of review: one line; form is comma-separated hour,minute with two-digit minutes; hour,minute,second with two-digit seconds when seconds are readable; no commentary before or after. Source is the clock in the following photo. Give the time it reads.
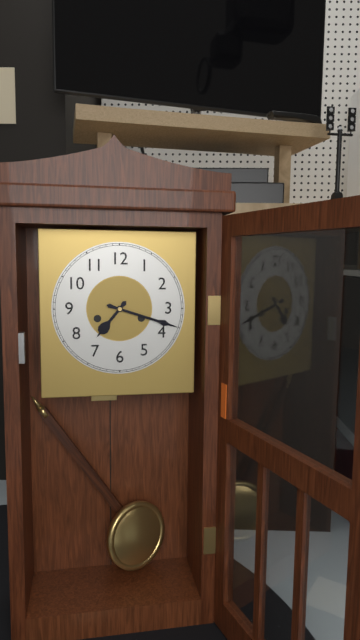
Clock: 7,18
